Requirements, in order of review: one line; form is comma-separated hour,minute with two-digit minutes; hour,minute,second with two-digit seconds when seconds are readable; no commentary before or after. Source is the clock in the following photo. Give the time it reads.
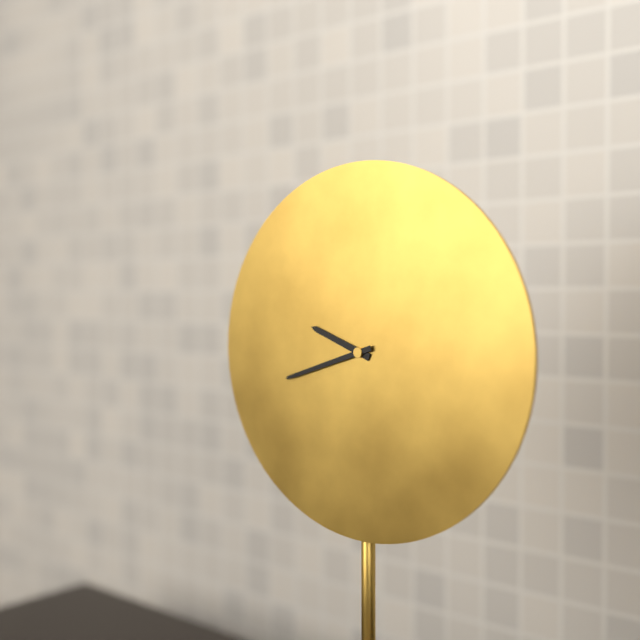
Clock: 9,42
